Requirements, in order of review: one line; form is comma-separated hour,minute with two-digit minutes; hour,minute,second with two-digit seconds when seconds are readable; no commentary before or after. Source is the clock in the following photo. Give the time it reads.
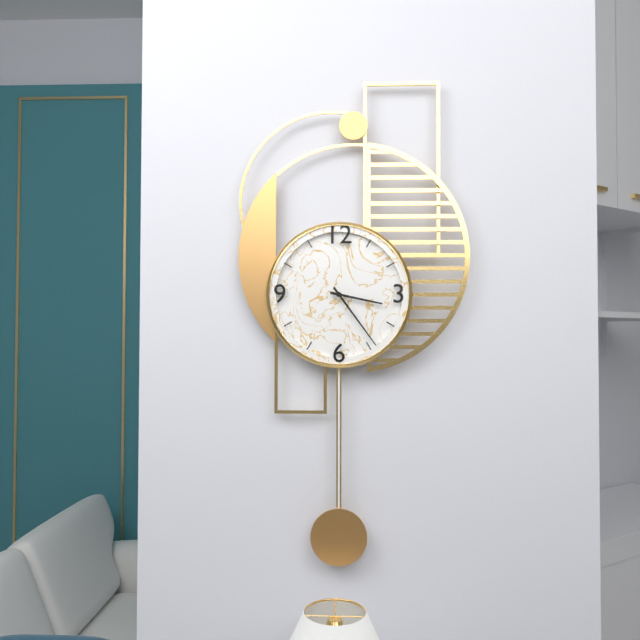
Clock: 3,24
